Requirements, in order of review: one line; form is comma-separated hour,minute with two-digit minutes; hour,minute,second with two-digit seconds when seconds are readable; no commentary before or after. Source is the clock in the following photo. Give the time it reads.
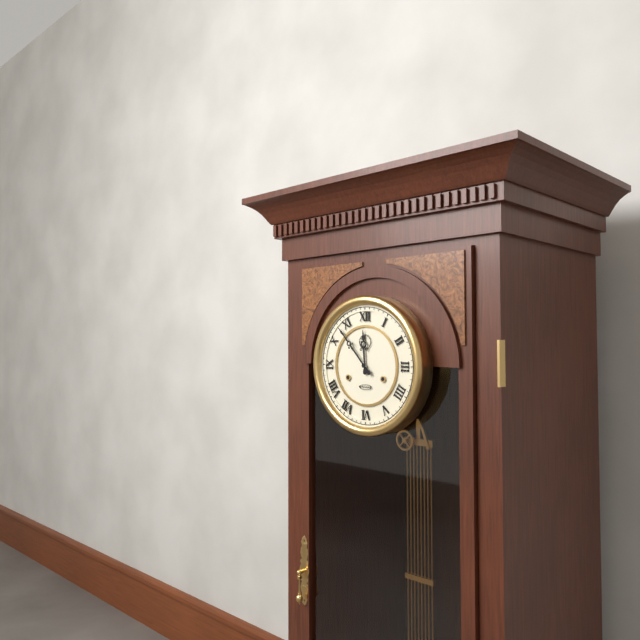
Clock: 11,53
